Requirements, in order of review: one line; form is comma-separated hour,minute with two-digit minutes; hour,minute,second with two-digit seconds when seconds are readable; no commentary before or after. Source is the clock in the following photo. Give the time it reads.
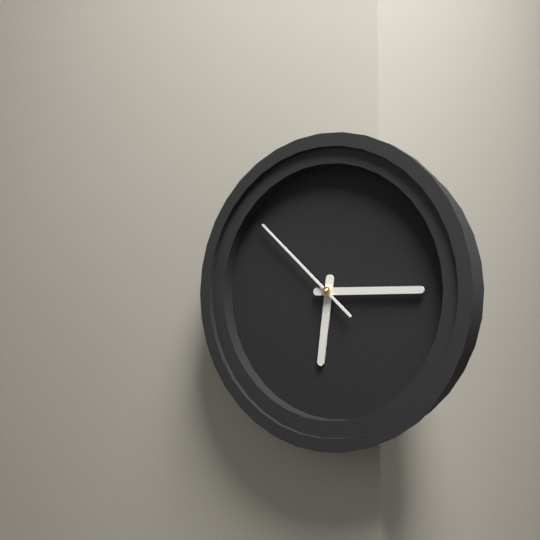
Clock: 6,15,52
